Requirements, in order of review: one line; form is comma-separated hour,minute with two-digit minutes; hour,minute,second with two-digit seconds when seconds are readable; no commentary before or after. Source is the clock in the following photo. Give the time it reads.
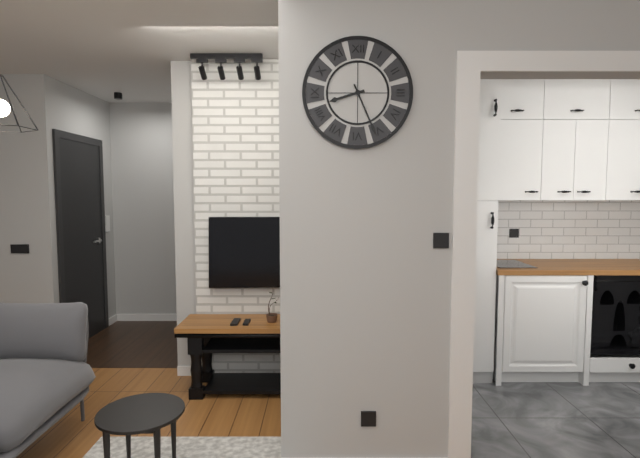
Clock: 8,26
